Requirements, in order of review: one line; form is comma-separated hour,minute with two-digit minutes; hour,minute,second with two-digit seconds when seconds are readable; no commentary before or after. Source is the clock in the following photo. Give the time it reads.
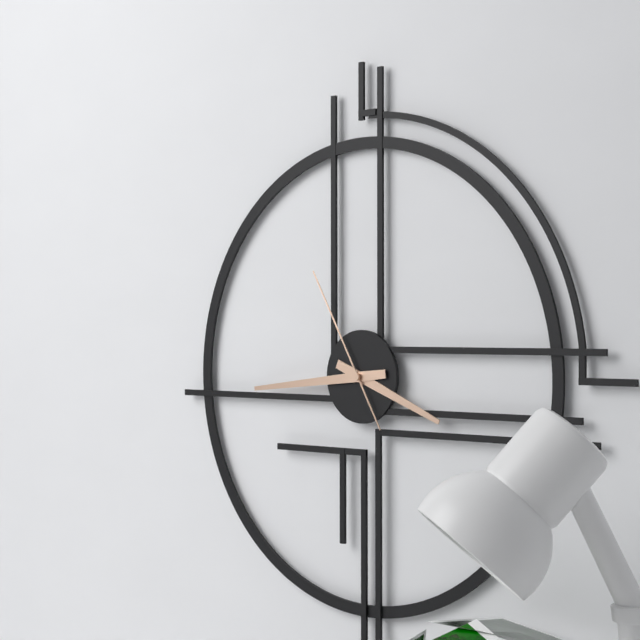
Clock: 3,44,55
